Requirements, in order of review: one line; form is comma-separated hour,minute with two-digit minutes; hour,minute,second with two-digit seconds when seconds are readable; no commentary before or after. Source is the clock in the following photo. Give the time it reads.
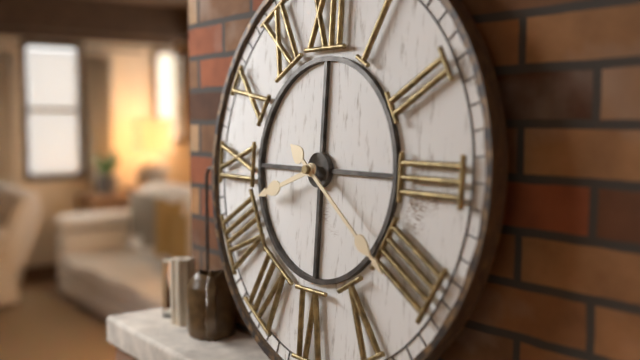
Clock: 8,21
